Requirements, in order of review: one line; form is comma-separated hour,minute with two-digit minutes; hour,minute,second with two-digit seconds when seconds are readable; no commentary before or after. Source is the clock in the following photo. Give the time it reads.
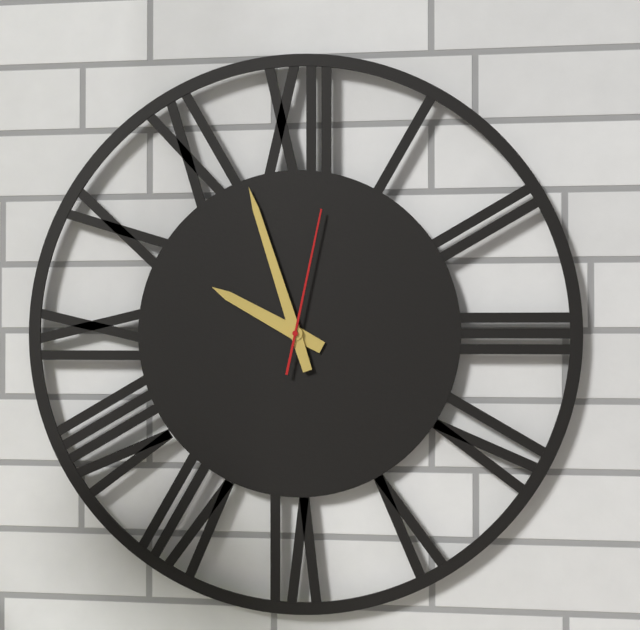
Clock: 9,57,02
